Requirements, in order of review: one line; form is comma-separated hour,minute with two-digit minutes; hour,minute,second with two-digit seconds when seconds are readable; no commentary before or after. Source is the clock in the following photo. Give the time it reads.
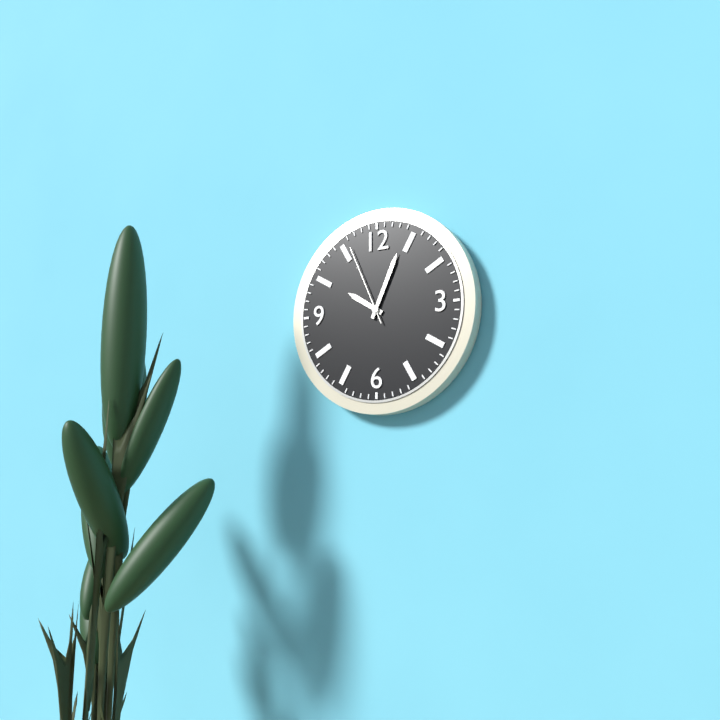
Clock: 10,04,56
